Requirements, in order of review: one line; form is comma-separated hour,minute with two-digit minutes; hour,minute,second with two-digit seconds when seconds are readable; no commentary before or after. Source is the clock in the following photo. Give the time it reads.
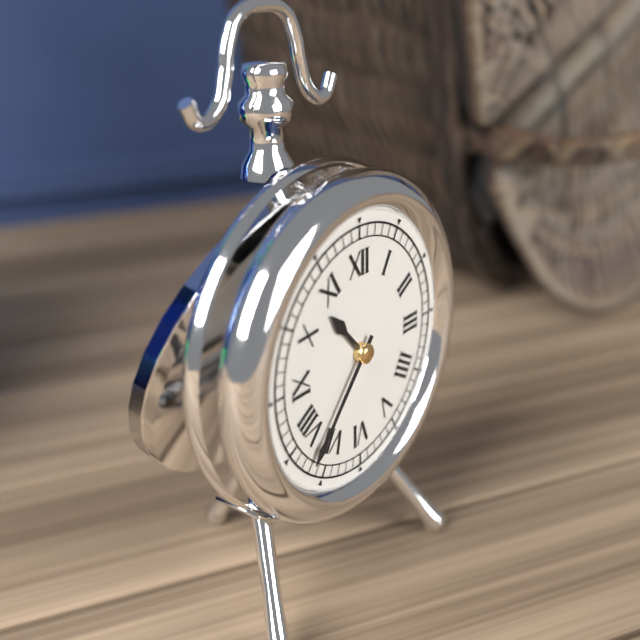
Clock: 10,37
